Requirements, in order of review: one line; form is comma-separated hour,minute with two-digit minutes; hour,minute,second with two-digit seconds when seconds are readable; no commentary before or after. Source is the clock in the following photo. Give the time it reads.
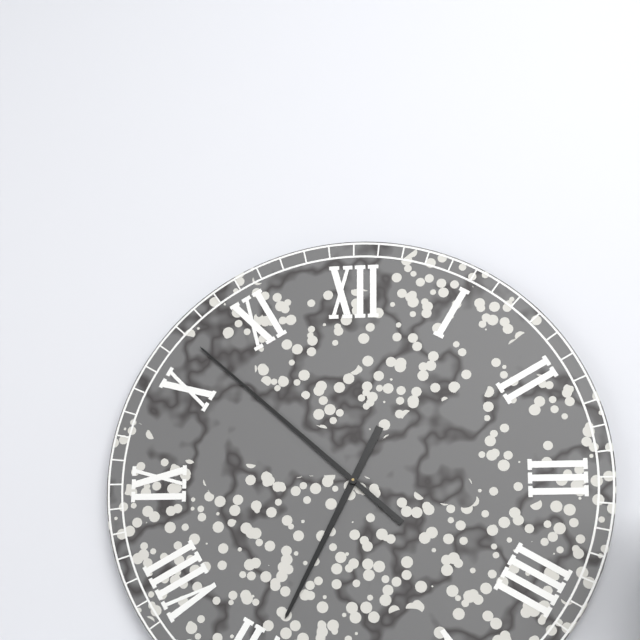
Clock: 6,52
